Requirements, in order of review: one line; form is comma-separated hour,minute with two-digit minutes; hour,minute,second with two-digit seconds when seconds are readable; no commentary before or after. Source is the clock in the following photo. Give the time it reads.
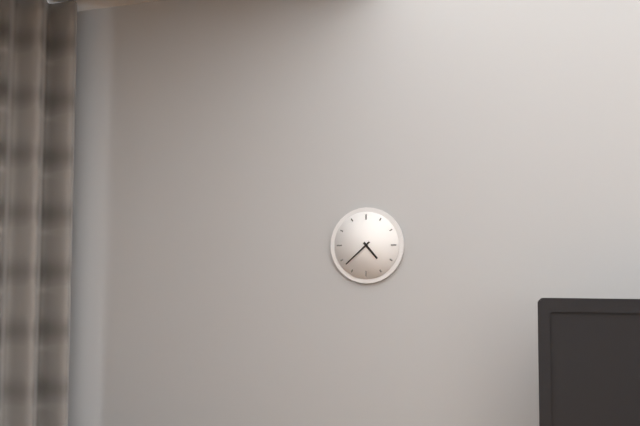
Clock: 4,38
